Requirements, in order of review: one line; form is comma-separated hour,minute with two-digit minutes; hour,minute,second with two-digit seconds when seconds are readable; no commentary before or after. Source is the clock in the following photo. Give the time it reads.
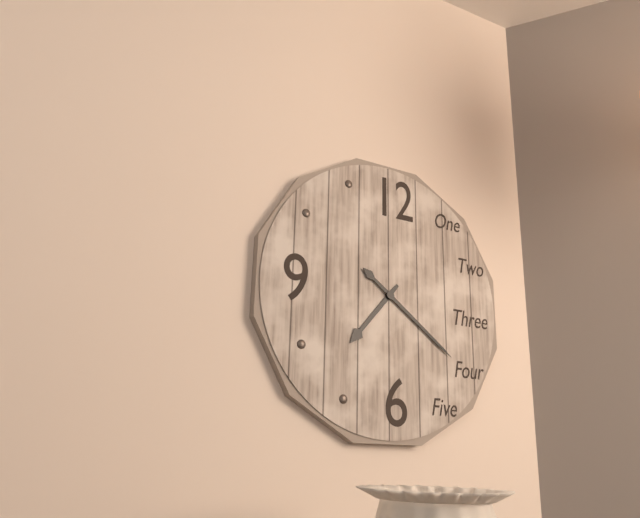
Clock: 7,21
